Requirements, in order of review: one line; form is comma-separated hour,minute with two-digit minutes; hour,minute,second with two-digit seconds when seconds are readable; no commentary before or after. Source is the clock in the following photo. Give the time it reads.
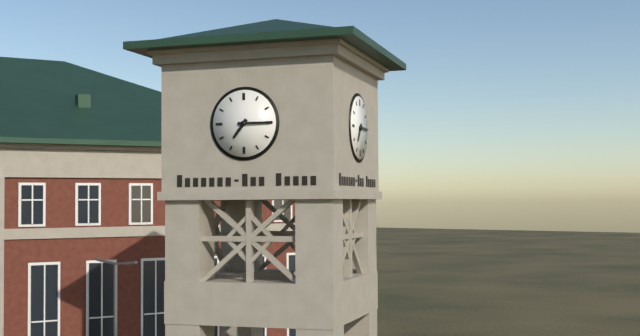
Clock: 7,15
